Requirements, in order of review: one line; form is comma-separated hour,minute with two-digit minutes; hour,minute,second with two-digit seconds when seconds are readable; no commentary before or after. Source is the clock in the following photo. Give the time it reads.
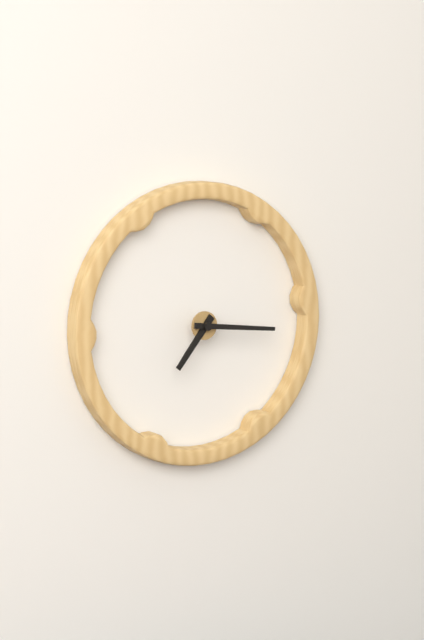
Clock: 7,16
